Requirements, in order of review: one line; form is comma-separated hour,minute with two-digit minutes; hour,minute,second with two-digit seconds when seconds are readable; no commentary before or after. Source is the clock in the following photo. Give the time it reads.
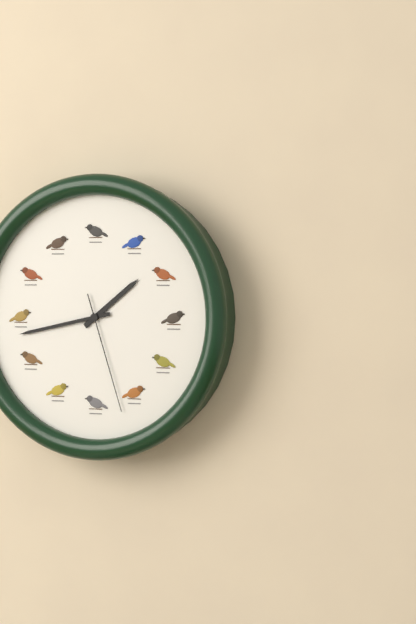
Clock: 1,43,27
